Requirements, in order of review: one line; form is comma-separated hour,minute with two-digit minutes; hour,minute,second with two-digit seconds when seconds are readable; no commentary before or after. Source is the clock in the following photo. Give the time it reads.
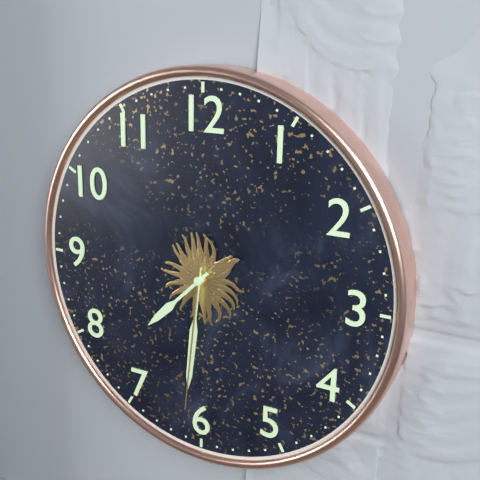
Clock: 7,31,31
